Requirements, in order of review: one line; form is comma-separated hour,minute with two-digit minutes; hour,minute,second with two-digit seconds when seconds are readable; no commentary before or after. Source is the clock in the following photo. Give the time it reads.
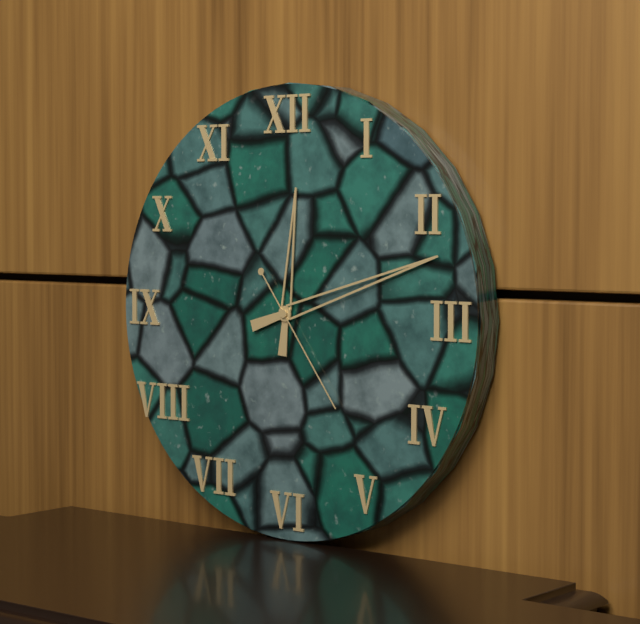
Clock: 12,12,24
